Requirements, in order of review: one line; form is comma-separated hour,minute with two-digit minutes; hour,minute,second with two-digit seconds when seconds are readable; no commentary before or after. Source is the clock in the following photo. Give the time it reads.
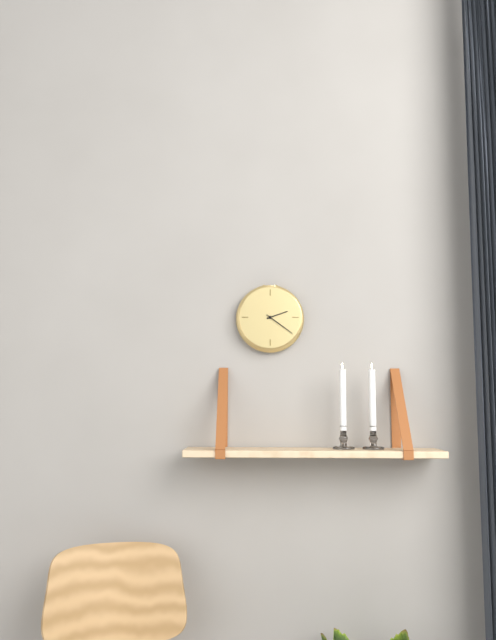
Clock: 2,21
